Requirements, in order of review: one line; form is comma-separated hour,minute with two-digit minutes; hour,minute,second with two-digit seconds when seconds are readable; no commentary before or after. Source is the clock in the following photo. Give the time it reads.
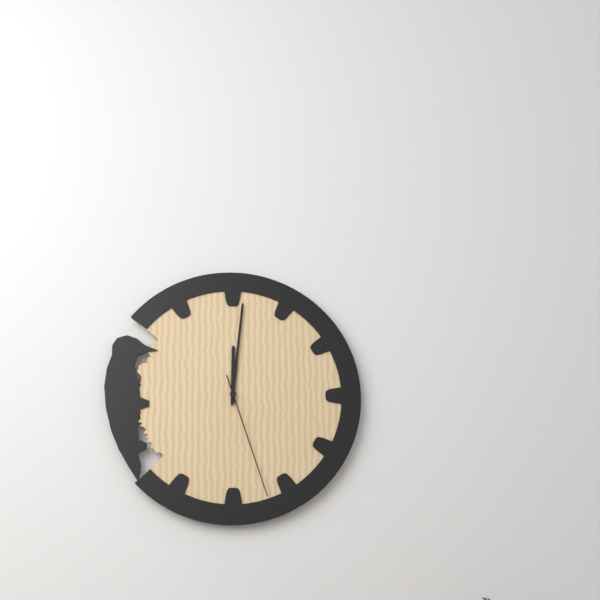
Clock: 12,01,27
